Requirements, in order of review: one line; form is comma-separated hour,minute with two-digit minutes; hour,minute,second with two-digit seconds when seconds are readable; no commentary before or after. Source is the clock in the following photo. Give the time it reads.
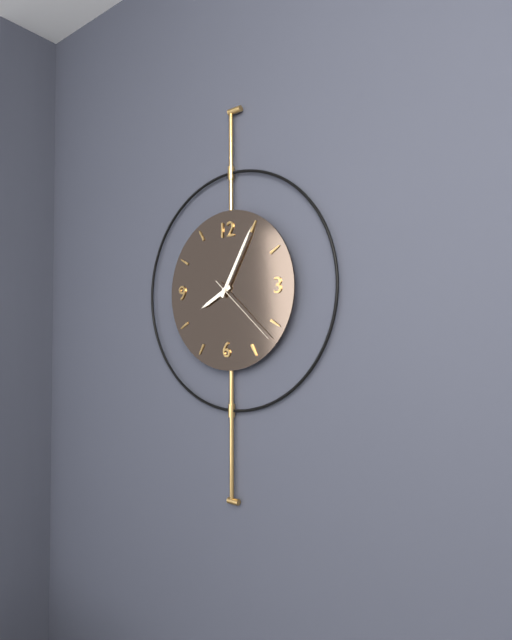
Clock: 8,05,22
